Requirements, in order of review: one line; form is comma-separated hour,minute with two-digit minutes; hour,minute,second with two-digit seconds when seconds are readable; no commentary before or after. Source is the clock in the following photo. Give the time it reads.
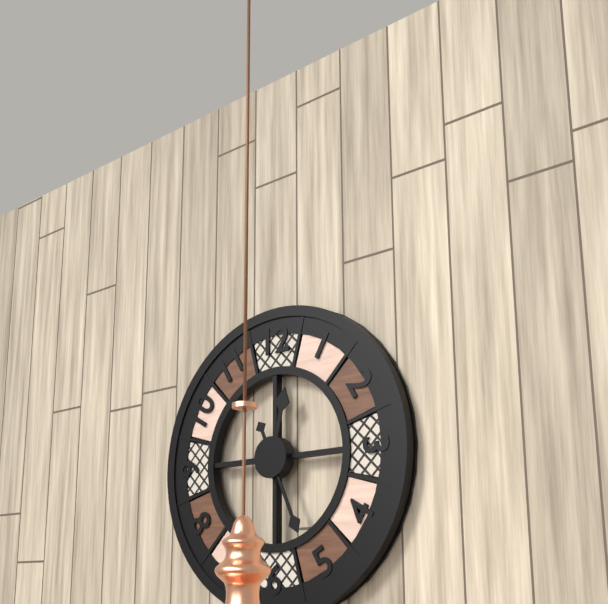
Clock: 12,26
